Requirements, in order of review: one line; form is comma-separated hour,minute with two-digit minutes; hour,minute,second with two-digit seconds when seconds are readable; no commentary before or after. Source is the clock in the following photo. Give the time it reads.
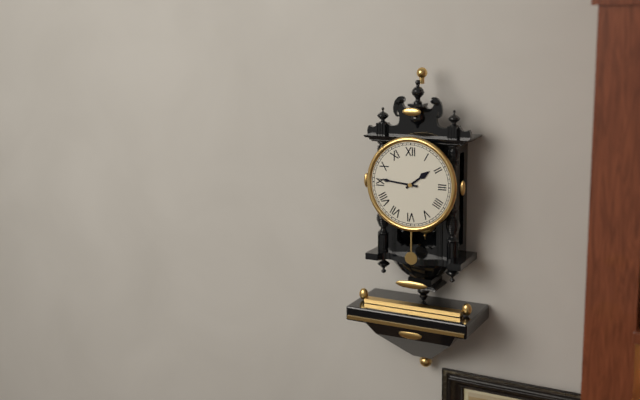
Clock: 1,46
